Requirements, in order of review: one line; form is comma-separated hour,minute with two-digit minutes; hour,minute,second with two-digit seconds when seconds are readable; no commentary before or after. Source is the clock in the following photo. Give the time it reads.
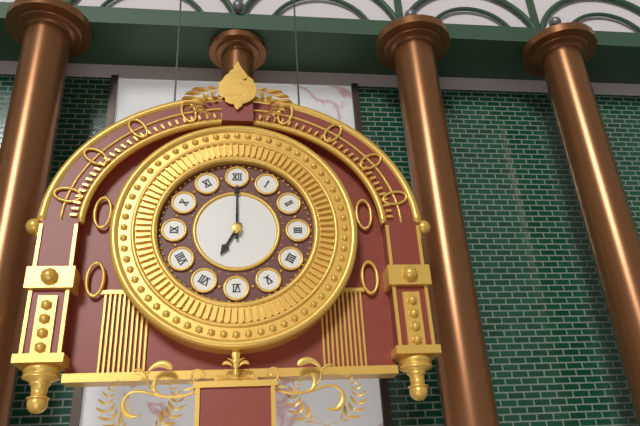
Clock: 7,00
